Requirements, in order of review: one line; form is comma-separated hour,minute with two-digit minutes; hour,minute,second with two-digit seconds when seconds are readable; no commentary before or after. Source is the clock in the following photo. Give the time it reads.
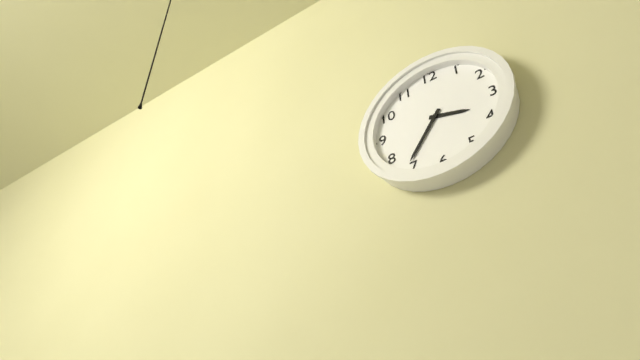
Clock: 3,36
